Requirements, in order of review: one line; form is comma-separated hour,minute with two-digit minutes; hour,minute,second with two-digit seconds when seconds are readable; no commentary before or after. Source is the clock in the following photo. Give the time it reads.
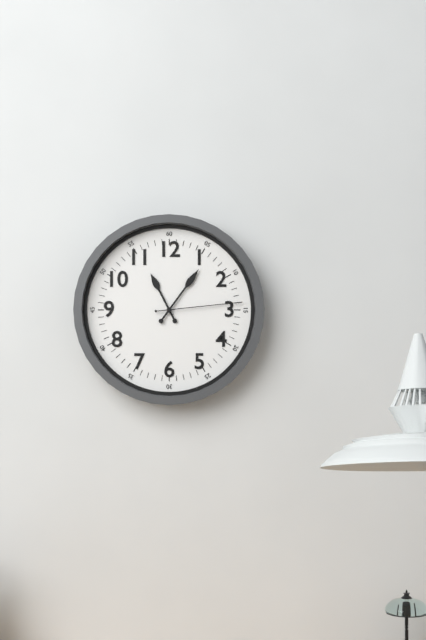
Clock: 11,06,14
